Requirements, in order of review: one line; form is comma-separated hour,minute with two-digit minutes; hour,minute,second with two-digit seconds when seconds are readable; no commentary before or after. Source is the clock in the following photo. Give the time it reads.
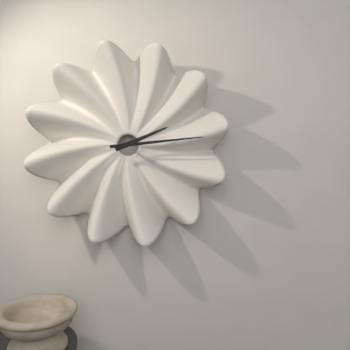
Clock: 2,14
